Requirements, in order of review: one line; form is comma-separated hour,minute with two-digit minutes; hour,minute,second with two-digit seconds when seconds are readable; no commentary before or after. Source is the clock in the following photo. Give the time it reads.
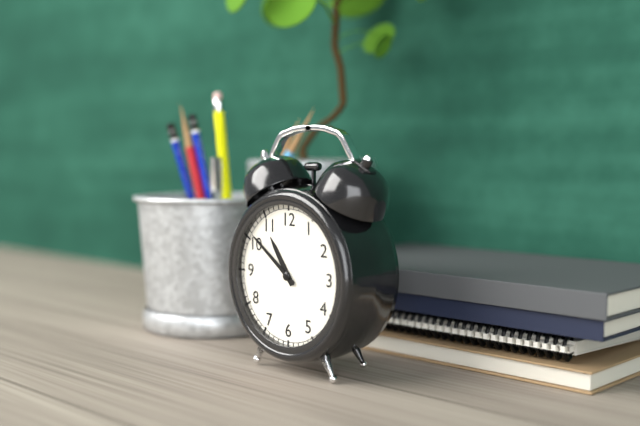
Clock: 10,51
